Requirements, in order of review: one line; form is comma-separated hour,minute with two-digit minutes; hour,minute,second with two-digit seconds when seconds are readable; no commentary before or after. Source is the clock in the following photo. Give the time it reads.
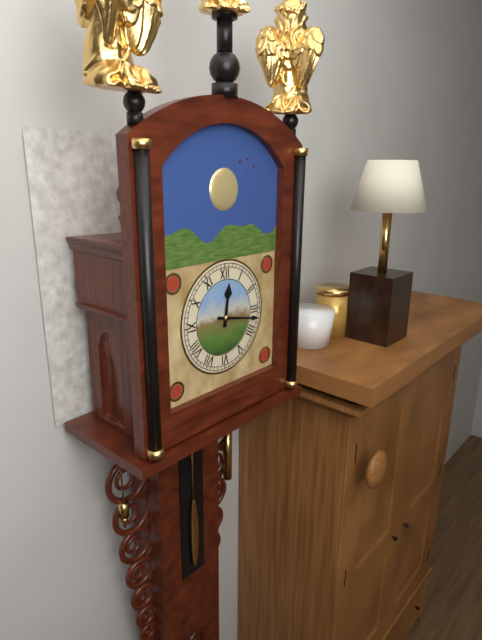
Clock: 12,17
